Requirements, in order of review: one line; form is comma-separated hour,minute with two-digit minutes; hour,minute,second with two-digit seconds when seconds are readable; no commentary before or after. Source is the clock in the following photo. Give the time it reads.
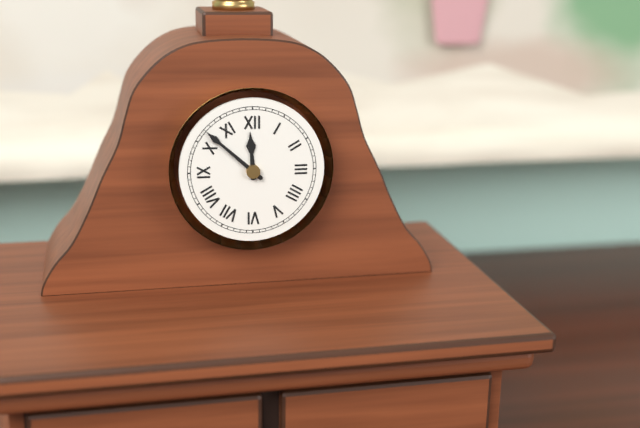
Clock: 11,52
